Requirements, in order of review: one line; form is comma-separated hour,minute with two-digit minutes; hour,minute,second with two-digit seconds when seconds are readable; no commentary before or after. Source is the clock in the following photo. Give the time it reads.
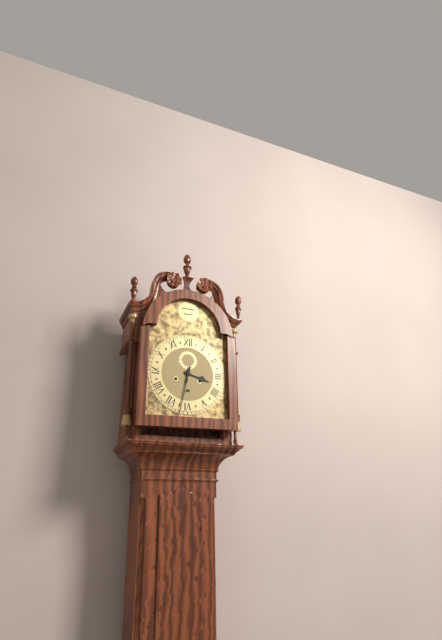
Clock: 3,32
